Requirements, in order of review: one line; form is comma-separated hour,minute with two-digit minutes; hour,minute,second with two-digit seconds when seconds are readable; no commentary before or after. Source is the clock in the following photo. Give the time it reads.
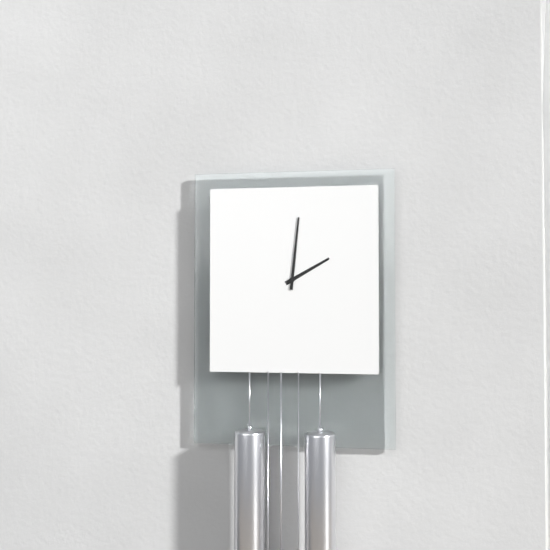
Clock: 2,01
